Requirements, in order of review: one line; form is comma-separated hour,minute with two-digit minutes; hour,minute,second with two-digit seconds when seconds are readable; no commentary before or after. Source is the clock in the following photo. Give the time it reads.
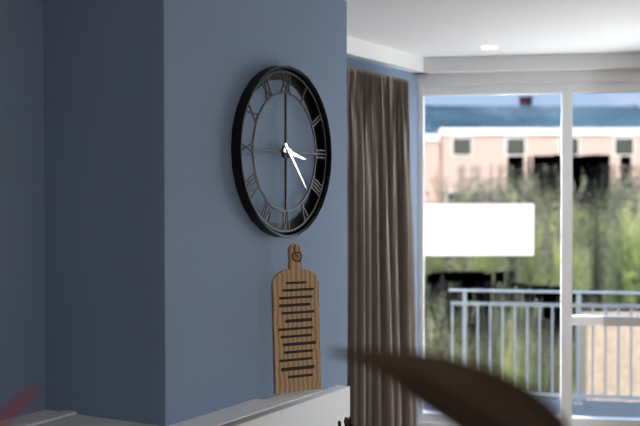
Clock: 3,23
